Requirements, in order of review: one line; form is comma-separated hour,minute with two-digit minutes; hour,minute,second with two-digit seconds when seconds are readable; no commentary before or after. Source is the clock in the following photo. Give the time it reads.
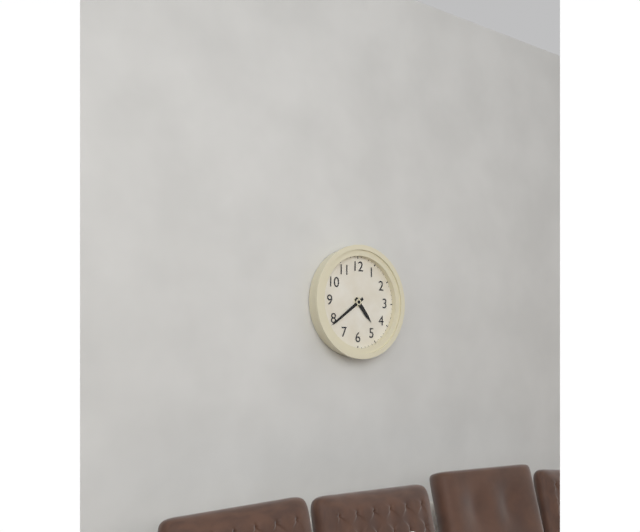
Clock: 4,39
